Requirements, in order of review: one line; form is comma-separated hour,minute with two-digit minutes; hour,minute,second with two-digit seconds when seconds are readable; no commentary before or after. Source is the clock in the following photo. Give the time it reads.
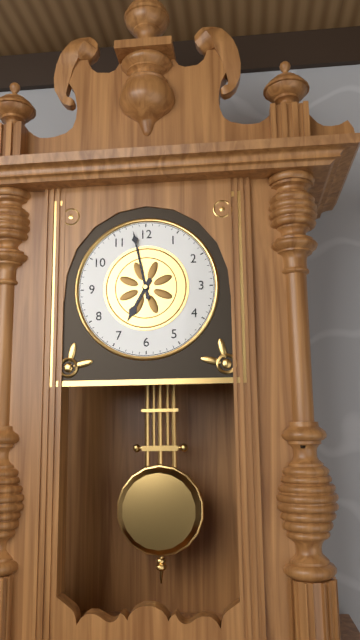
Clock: 6,58
